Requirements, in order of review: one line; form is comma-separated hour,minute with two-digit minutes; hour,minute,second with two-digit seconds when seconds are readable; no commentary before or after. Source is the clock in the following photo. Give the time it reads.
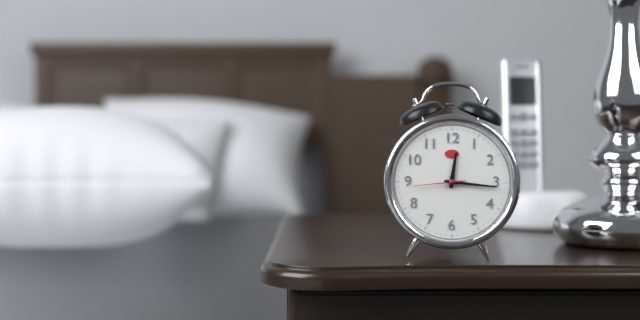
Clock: 12,16,44
